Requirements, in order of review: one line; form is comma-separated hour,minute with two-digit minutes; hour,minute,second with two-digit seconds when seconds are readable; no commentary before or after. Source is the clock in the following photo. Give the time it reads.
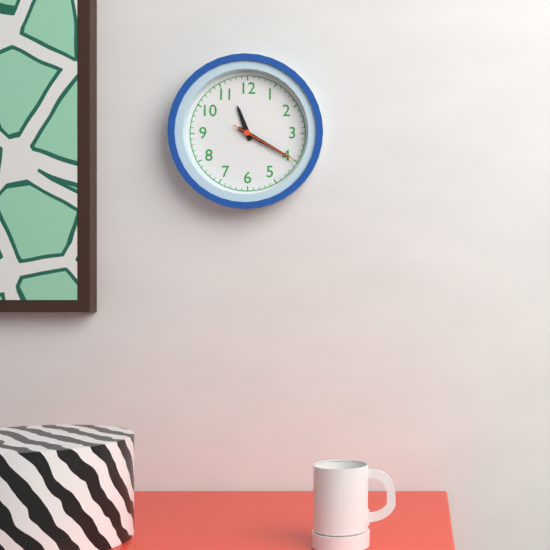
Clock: 11,20,20
